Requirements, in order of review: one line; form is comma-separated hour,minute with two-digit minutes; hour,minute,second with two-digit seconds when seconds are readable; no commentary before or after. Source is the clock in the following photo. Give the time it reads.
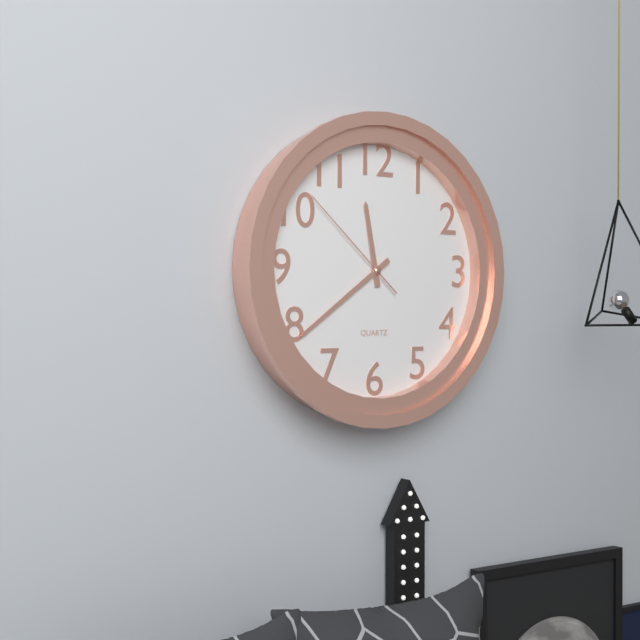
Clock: 11,39,52
